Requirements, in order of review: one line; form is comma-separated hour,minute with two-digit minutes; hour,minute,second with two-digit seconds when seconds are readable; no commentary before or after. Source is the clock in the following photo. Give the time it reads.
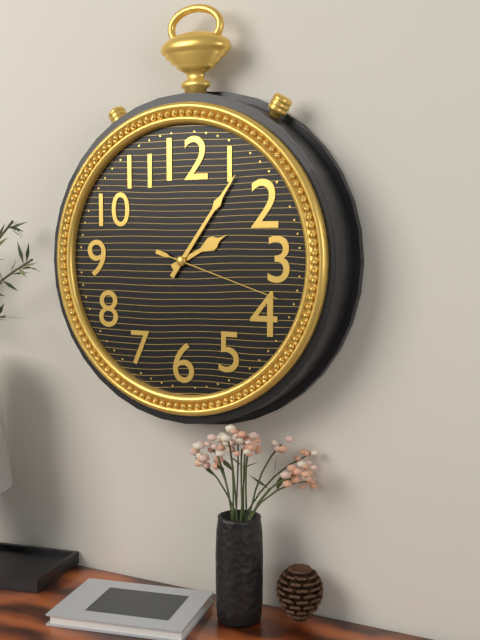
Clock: 2,06,18
